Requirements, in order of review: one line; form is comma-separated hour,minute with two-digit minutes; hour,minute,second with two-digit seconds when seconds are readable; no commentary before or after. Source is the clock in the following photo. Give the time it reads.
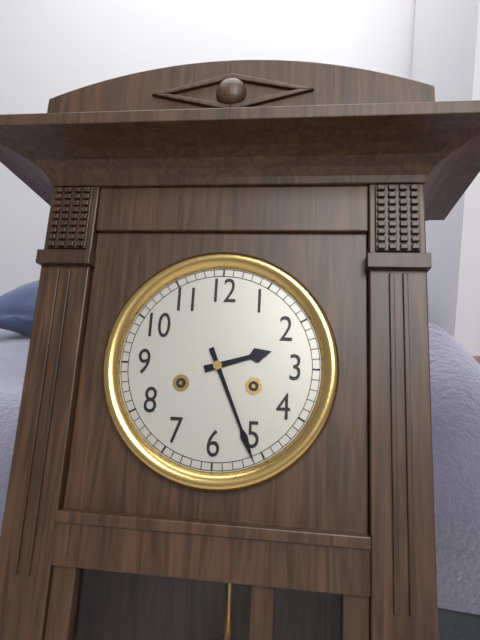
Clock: 2,26
